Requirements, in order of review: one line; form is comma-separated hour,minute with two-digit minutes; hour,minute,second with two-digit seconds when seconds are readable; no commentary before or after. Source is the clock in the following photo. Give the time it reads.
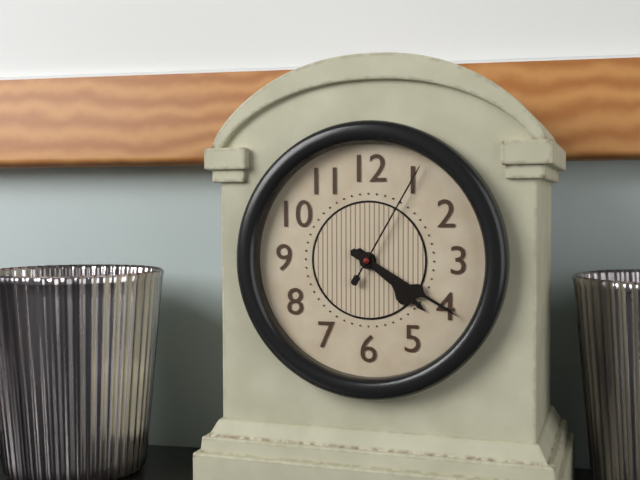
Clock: 4,20,05
